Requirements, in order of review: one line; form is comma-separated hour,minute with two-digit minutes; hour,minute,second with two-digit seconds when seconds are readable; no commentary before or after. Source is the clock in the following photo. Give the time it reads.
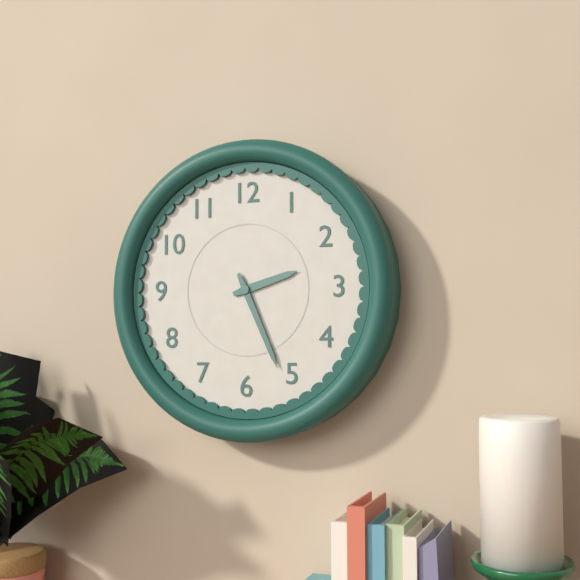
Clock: 2,26
